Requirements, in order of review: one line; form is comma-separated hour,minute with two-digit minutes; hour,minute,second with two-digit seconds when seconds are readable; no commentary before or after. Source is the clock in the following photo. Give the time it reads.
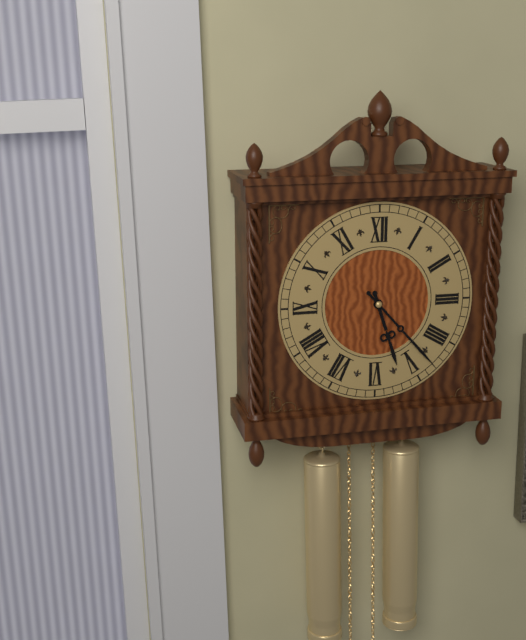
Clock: 5,23
